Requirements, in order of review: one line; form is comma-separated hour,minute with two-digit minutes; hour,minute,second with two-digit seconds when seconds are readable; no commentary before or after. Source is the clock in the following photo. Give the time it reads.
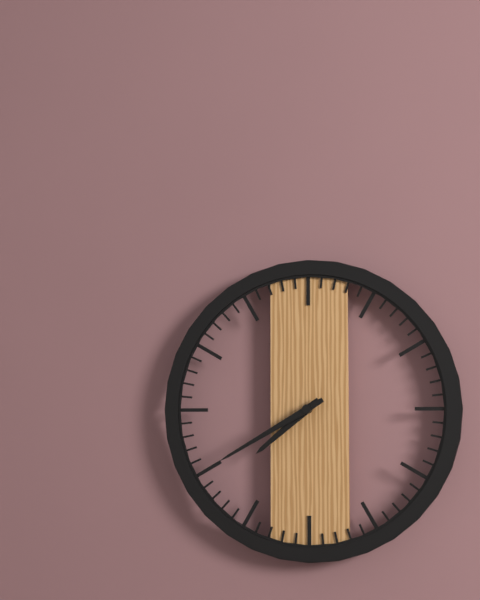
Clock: 7,40
